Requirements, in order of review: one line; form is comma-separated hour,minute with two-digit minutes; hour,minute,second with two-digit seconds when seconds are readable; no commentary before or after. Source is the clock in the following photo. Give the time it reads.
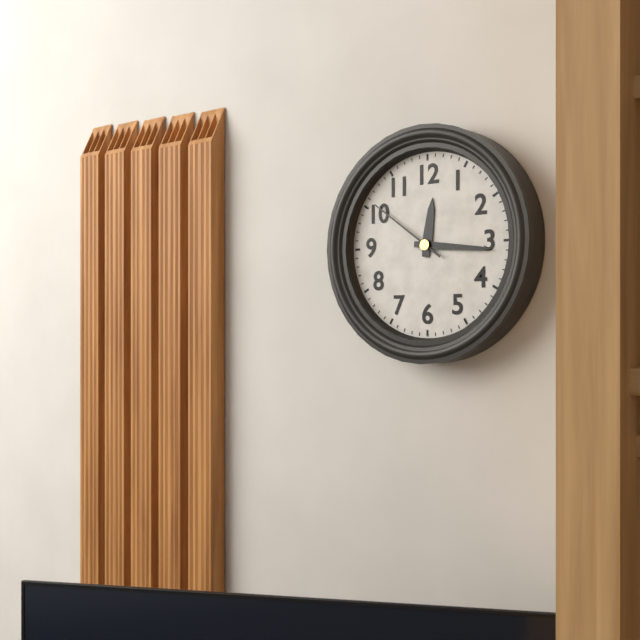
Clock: 12,16,51
